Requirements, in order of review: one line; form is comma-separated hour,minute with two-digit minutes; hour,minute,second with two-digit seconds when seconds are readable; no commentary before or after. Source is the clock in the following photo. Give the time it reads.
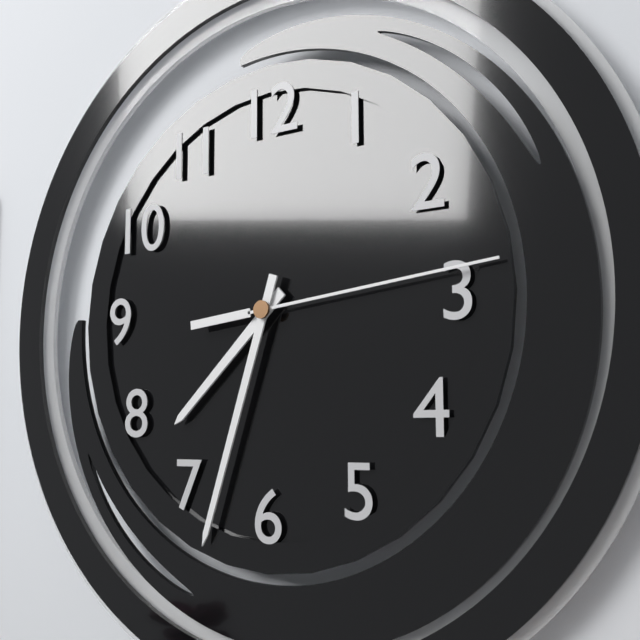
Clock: 7,33,14
